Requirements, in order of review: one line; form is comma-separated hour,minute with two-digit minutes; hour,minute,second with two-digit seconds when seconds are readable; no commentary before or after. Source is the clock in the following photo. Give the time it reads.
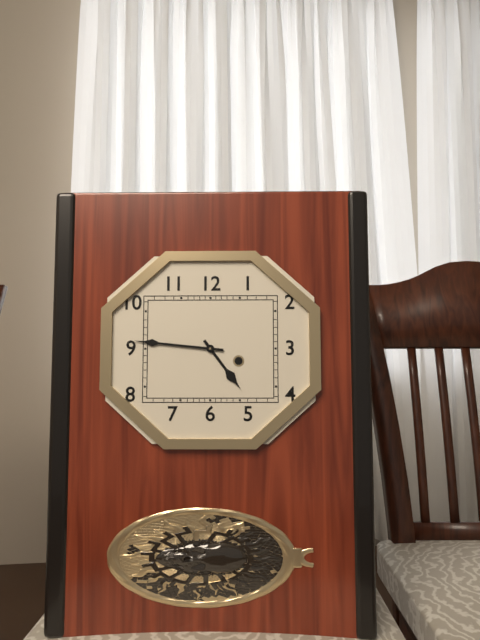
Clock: 4,46
